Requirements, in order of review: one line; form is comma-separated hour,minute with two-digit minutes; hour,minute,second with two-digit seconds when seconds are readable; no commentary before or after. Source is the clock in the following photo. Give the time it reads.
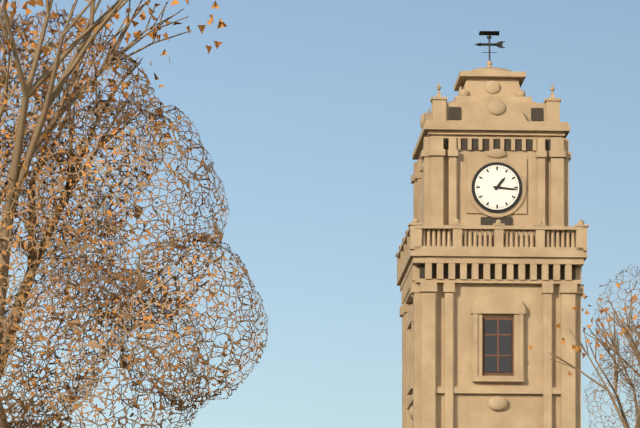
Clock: 1,16
